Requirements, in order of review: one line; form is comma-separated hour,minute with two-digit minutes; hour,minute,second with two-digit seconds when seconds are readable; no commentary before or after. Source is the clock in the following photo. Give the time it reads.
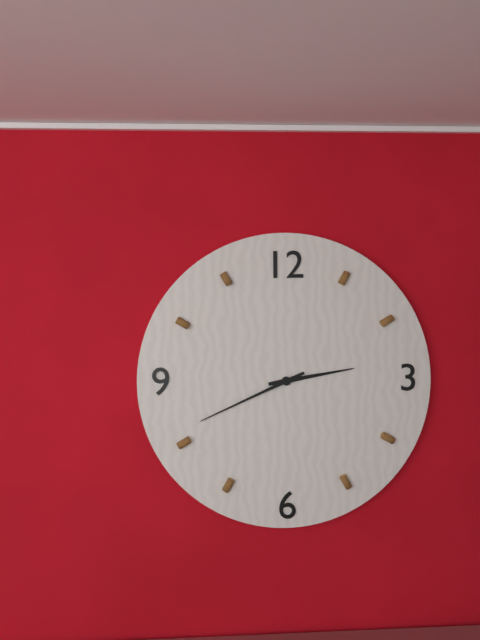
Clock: 2,41
